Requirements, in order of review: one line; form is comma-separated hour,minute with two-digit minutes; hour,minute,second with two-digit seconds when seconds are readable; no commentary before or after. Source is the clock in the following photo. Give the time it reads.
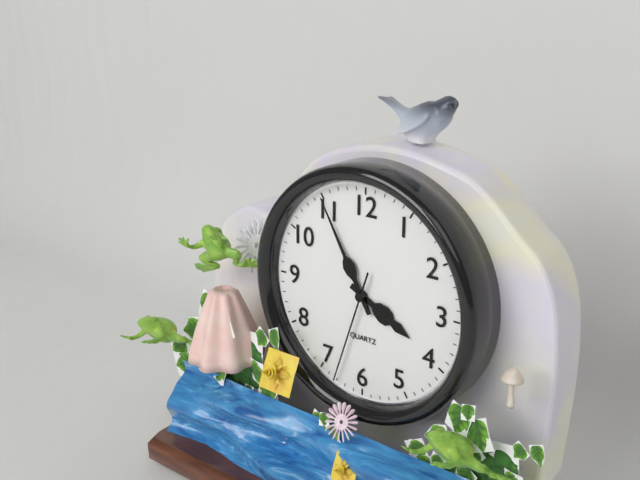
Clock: 3,55,33
